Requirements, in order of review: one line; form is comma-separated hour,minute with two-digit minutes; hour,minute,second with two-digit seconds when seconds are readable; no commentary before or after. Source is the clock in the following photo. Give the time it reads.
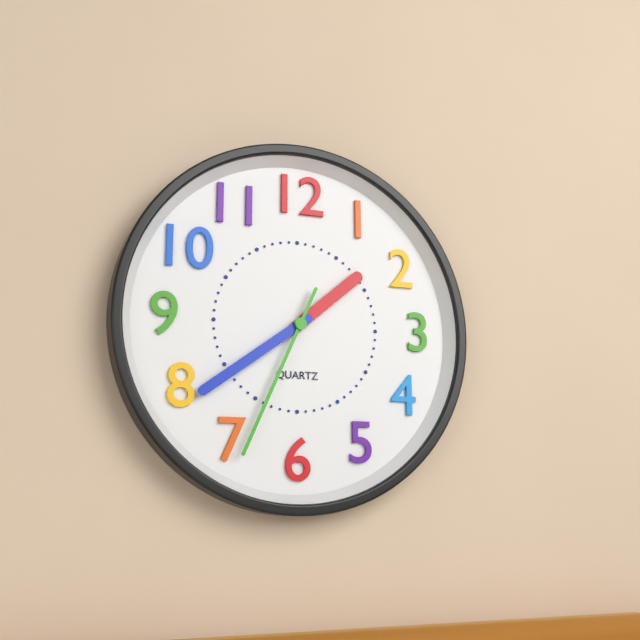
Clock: 1,39,34
